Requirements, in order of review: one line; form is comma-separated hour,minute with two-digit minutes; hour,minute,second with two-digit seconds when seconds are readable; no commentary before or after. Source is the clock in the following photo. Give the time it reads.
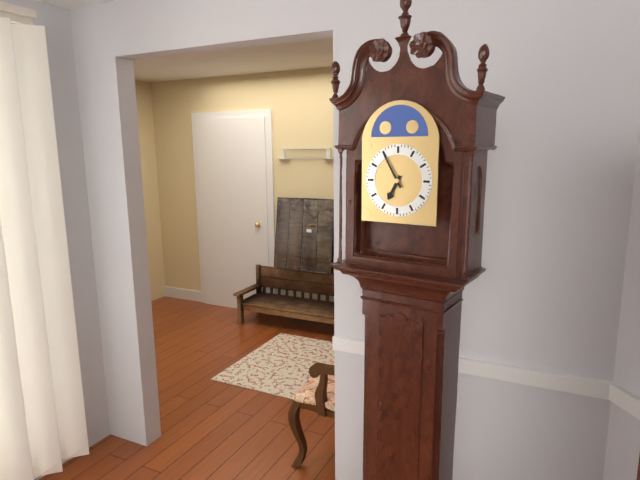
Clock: 6,55
